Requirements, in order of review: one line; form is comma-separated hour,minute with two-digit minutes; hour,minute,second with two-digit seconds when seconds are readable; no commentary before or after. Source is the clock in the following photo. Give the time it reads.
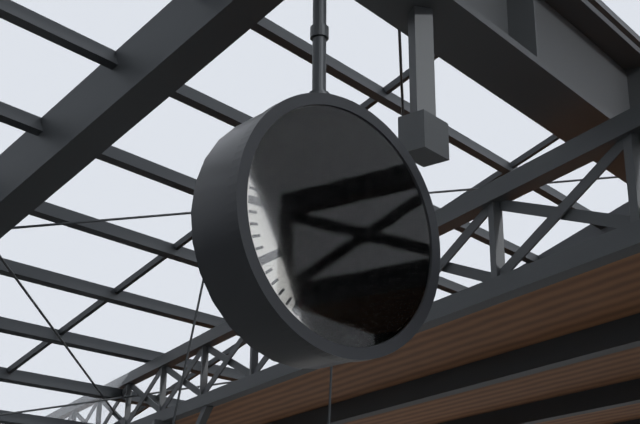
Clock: 2,47,35
